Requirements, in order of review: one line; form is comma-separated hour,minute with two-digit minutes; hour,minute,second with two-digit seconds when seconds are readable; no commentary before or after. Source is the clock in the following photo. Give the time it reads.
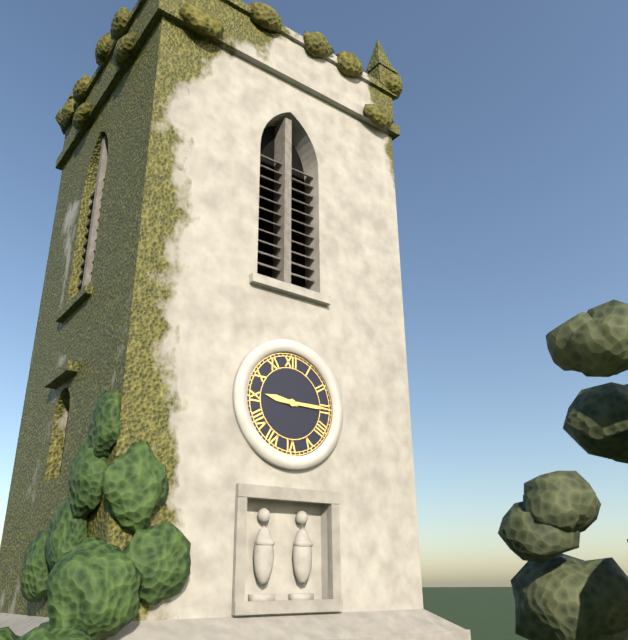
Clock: 9,15
